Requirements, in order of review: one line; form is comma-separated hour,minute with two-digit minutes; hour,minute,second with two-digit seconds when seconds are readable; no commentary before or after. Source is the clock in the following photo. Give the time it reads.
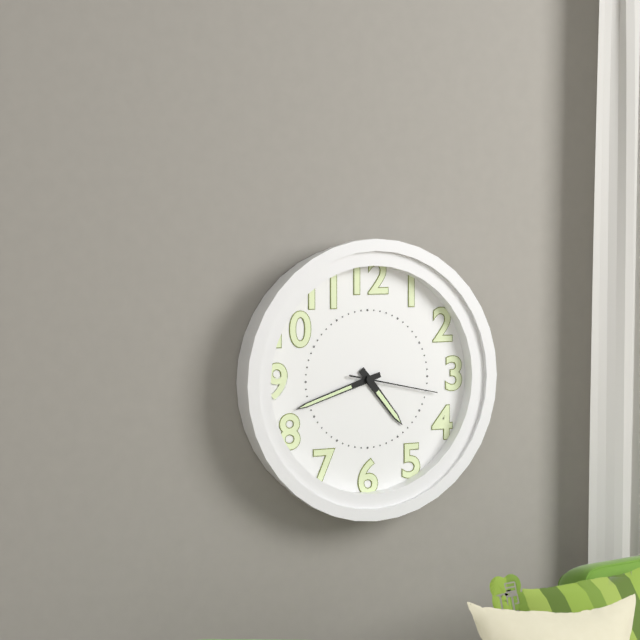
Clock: 4,42,17
